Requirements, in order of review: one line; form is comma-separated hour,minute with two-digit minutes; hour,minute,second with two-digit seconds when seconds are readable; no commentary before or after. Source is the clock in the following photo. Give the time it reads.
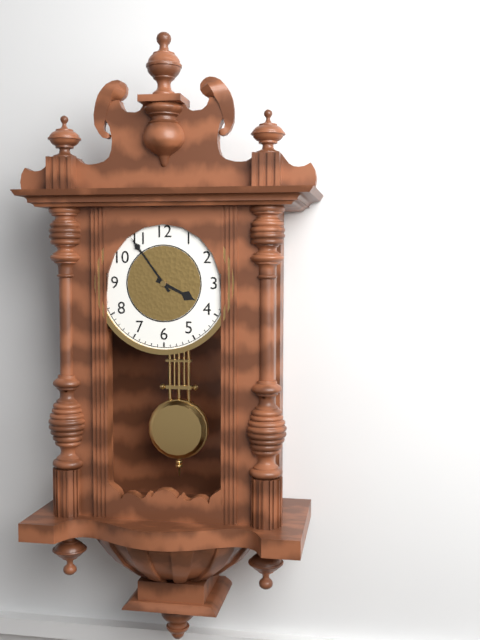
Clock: 3,54
